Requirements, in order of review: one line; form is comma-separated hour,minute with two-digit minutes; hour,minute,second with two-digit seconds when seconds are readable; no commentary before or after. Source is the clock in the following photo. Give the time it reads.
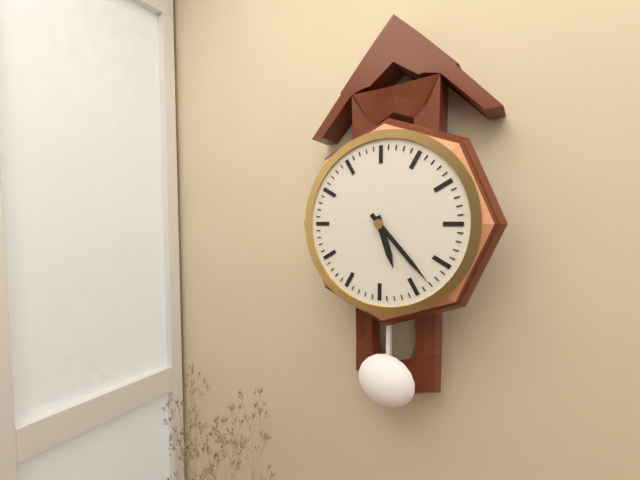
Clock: 5,23
